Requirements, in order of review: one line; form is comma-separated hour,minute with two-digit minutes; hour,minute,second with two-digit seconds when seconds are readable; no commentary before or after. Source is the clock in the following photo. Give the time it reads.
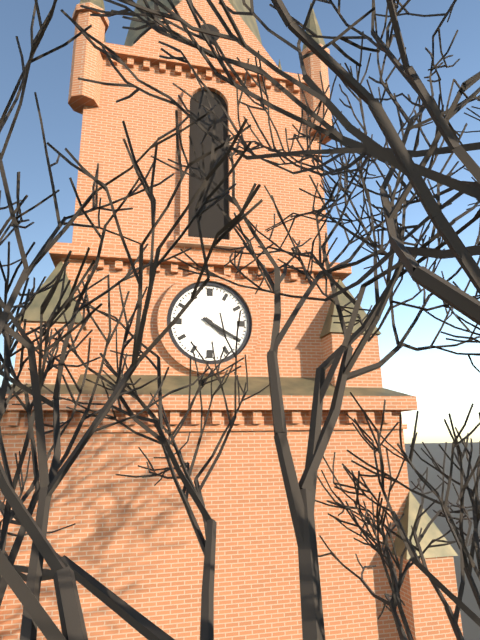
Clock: 4,20
